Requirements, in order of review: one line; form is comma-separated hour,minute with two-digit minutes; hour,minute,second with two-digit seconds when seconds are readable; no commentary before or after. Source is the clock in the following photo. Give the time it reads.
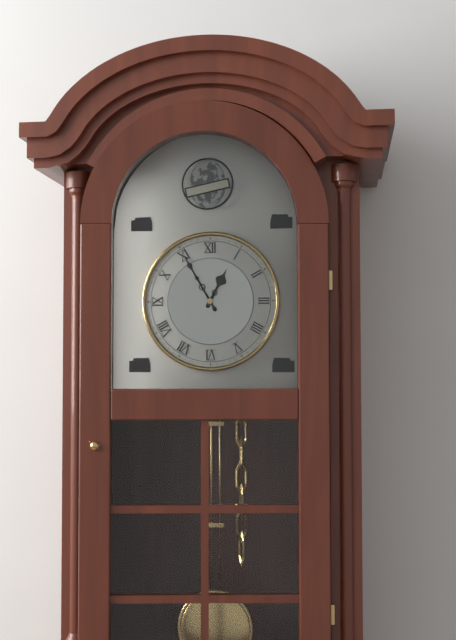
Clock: 12,55
